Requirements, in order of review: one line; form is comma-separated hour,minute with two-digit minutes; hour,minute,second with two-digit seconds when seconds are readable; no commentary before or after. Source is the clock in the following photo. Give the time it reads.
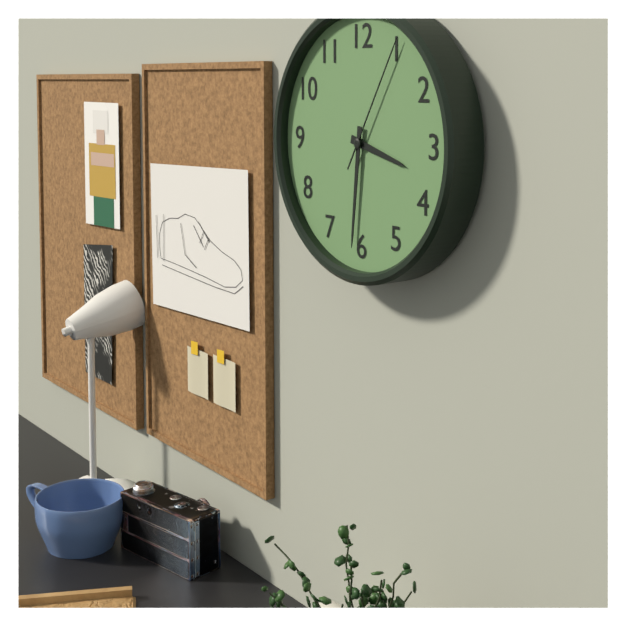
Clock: 3,31,05
